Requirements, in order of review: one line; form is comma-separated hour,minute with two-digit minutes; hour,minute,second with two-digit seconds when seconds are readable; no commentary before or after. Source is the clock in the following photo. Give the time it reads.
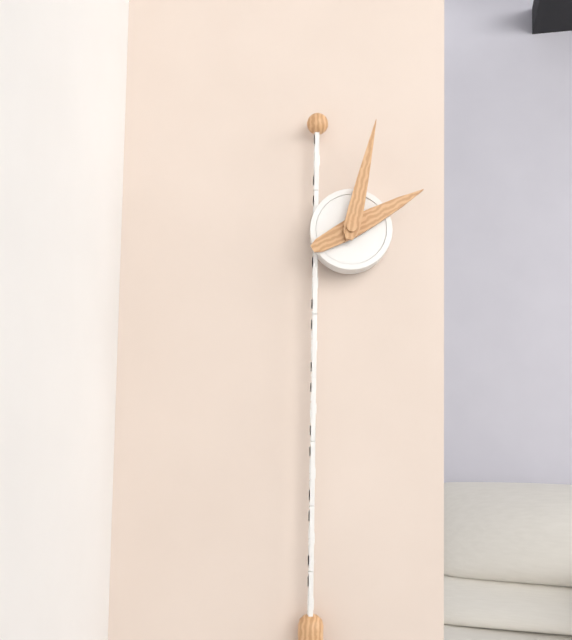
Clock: 2,02
